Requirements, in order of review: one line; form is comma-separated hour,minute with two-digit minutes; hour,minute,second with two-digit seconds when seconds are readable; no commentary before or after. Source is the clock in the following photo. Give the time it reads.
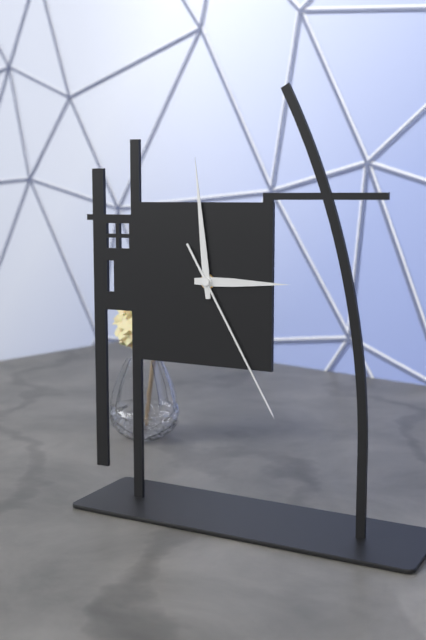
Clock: 2,59,25
